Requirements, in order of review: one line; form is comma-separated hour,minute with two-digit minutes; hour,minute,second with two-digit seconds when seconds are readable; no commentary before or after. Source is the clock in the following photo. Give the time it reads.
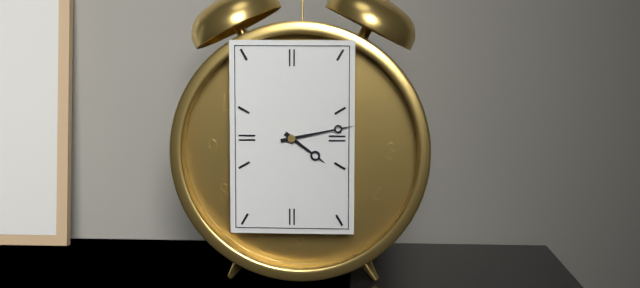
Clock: 4,13
